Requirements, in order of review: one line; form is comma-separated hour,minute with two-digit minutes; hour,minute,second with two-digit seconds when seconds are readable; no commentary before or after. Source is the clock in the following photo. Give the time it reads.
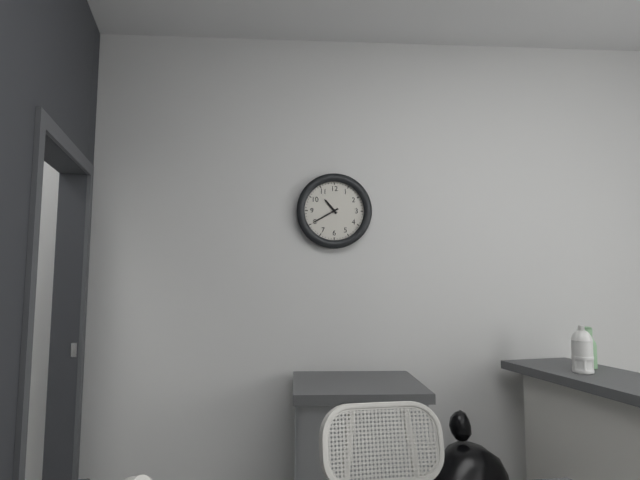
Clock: 10,40
